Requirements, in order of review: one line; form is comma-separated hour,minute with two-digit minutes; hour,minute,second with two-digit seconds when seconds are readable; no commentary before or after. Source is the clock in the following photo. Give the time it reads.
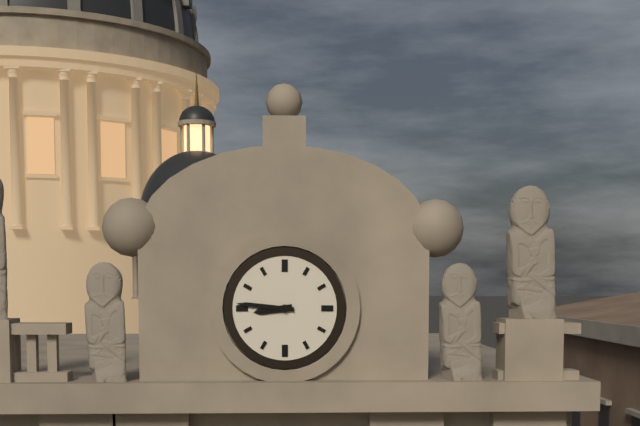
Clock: 8,46
